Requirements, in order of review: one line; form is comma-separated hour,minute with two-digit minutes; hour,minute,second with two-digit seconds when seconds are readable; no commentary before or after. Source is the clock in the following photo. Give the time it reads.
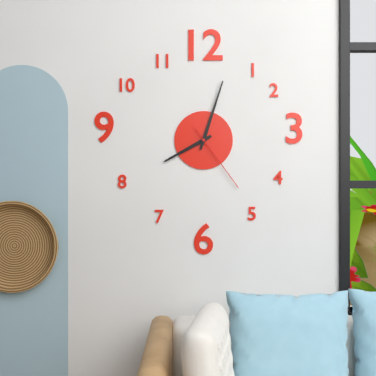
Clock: 8,03,24
